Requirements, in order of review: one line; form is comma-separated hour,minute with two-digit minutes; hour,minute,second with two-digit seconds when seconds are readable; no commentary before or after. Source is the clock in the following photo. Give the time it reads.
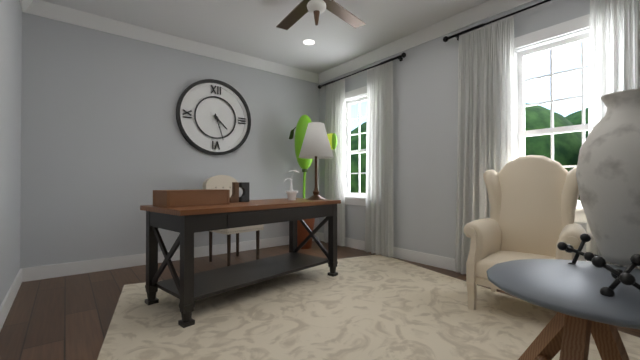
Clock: 4,27
